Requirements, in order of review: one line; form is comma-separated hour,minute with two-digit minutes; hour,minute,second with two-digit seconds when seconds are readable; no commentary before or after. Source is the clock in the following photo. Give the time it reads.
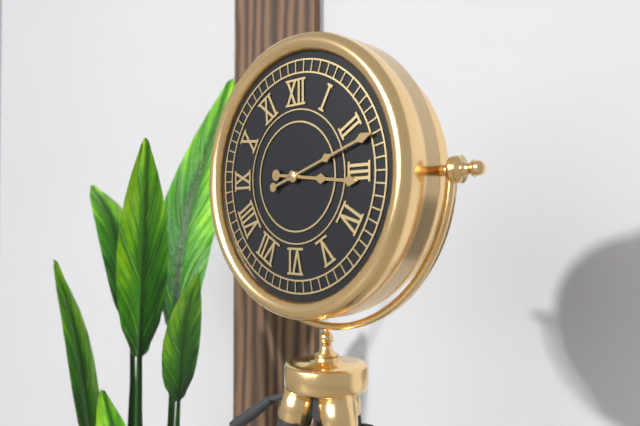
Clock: 3,12
